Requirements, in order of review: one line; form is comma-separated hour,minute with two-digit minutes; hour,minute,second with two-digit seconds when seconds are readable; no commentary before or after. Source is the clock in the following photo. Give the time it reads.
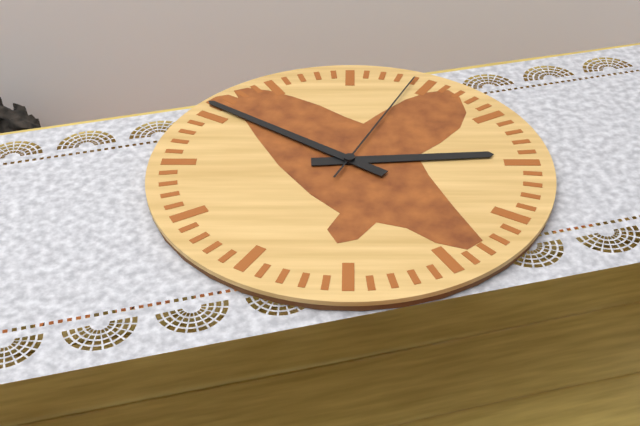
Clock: 2,51,04
